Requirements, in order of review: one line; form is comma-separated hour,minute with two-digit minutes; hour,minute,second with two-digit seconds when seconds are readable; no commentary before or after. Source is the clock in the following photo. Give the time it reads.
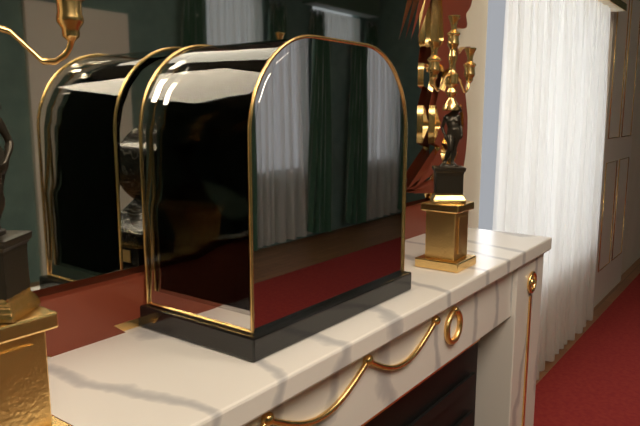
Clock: 7,05
